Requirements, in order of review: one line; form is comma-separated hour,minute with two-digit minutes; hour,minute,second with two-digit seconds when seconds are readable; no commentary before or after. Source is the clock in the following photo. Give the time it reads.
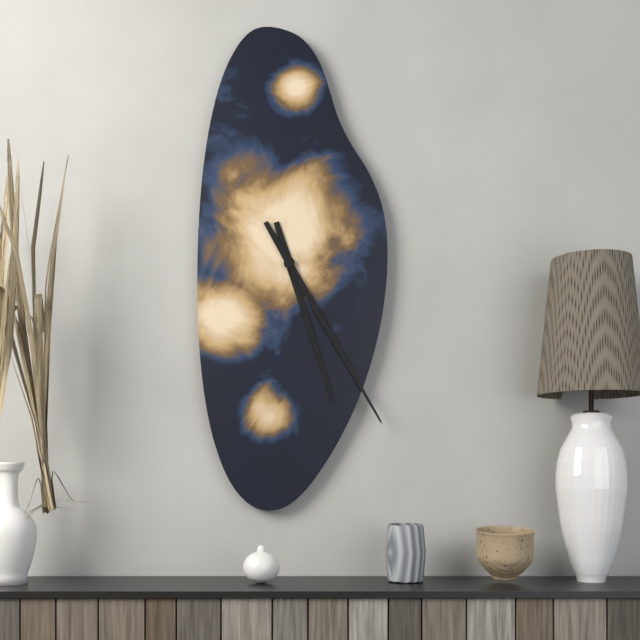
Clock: 5,25
